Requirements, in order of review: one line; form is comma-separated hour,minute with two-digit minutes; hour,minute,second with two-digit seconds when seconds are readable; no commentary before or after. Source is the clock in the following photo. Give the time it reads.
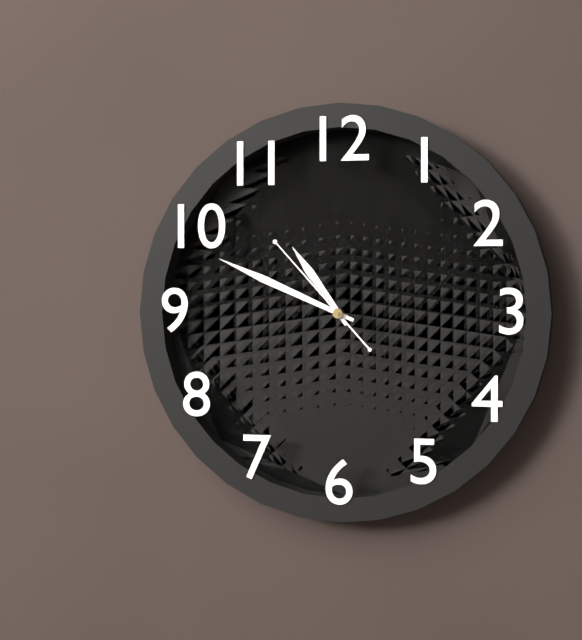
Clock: 10,49,53
